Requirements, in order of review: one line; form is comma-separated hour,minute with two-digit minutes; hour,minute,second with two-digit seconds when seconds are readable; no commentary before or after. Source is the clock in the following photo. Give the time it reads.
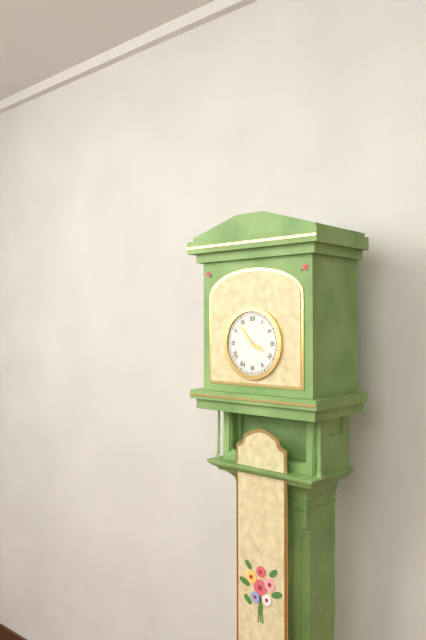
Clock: 3,53
